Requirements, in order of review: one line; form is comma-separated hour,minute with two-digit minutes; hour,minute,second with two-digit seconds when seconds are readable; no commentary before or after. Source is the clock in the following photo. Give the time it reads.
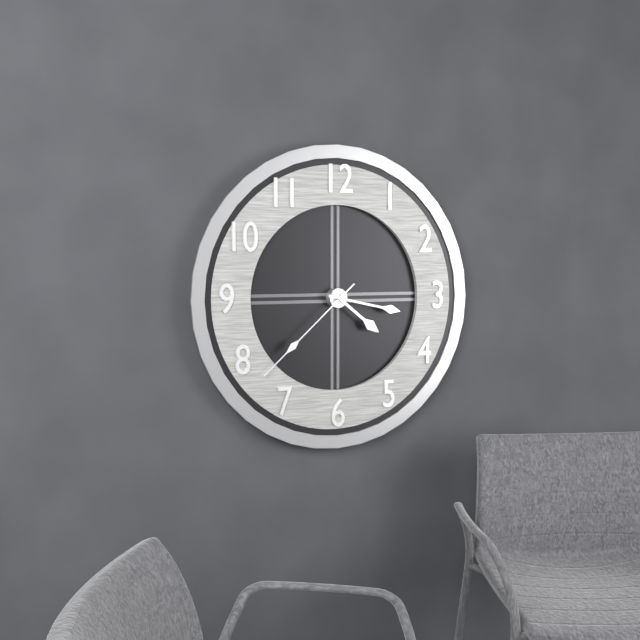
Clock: 4,17,38
